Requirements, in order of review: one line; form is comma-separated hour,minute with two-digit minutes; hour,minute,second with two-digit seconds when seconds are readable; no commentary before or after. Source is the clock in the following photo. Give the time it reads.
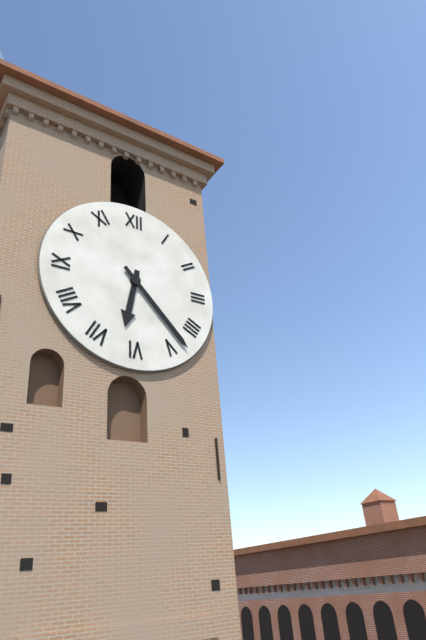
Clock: 6,23
